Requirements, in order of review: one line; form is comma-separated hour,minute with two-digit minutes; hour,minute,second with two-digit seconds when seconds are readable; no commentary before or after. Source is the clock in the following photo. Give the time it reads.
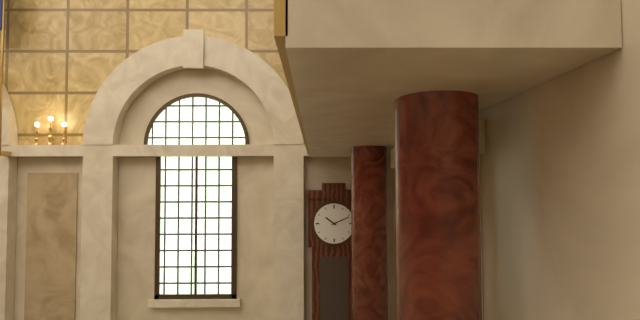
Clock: 10,11
